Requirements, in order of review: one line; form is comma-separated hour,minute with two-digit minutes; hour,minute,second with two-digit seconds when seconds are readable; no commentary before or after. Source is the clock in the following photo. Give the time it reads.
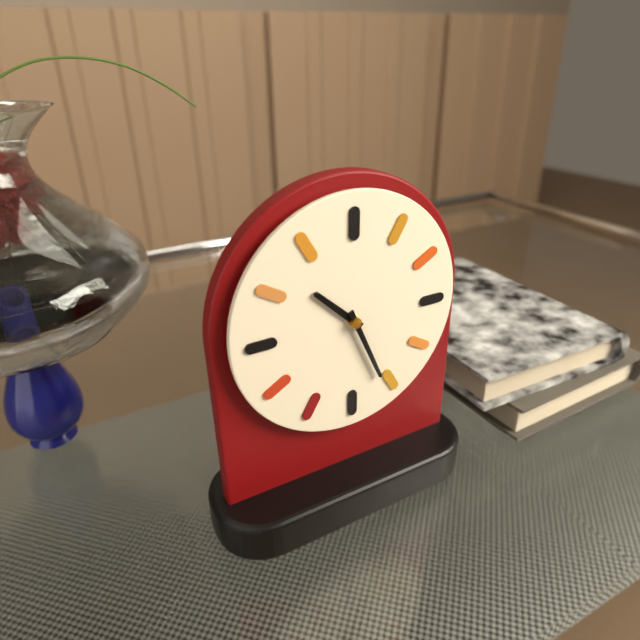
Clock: 10,26
